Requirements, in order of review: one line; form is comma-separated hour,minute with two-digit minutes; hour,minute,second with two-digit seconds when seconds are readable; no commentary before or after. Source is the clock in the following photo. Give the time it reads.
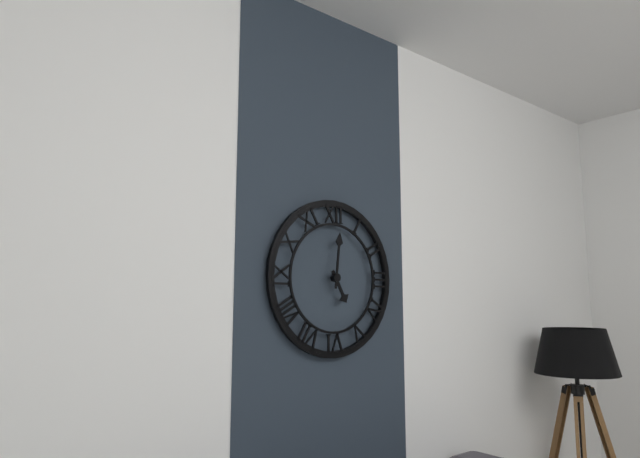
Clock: 5,01
